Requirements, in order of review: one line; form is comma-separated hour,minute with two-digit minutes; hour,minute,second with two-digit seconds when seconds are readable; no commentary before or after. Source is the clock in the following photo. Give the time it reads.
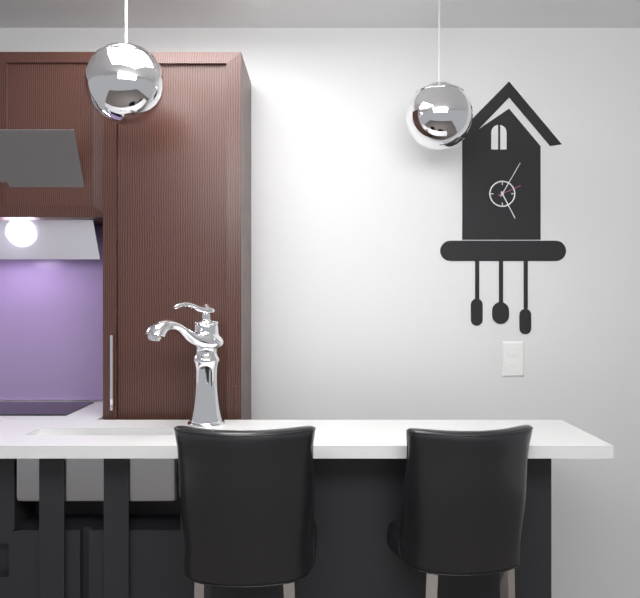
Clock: 5,05
